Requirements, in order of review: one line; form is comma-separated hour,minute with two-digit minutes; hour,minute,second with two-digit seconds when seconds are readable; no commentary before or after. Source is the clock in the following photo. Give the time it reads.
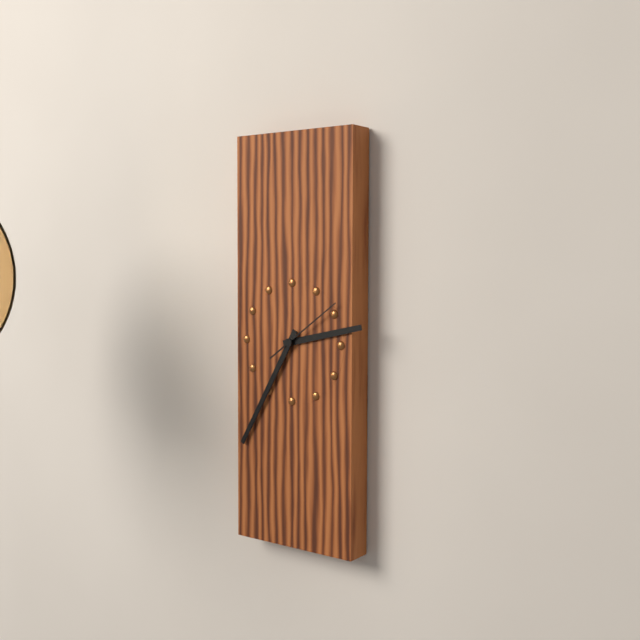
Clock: 2,35,09
